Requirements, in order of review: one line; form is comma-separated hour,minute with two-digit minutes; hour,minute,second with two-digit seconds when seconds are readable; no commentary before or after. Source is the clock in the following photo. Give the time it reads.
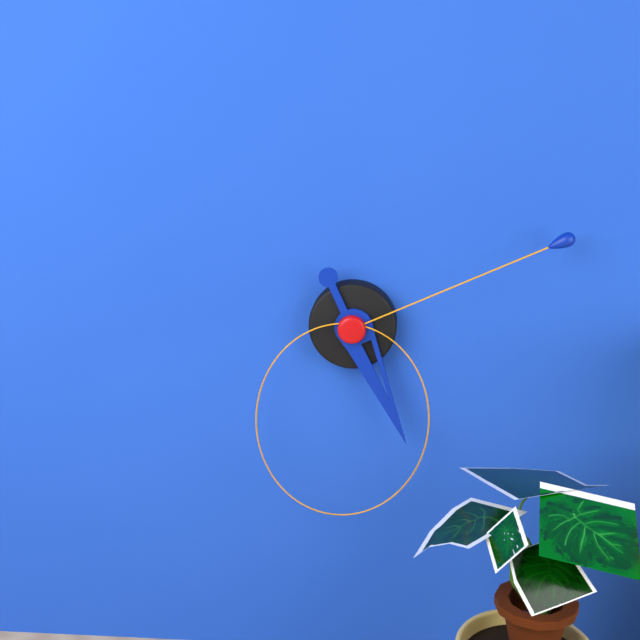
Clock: 5,11,31
